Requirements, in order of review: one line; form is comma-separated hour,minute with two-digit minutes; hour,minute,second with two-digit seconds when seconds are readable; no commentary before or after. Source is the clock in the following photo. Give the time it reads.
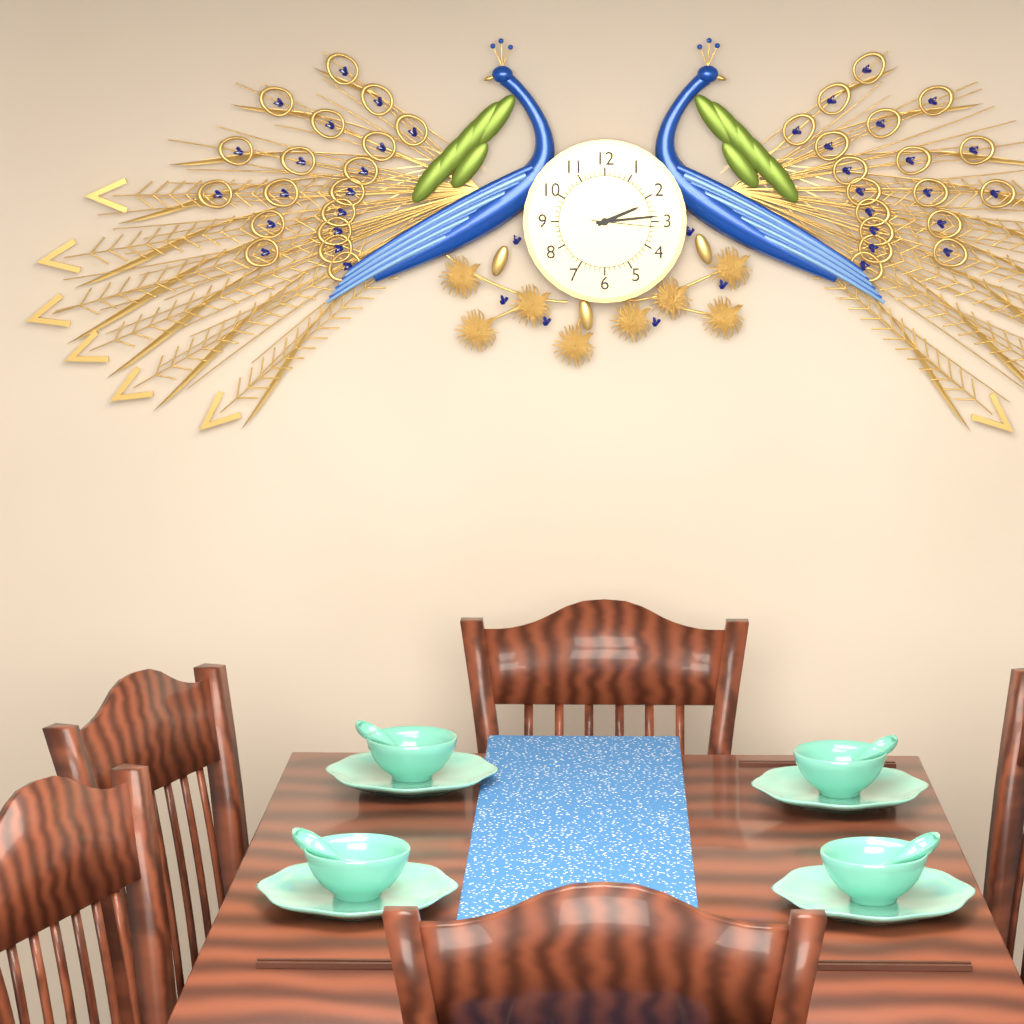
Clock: 2,14,16
